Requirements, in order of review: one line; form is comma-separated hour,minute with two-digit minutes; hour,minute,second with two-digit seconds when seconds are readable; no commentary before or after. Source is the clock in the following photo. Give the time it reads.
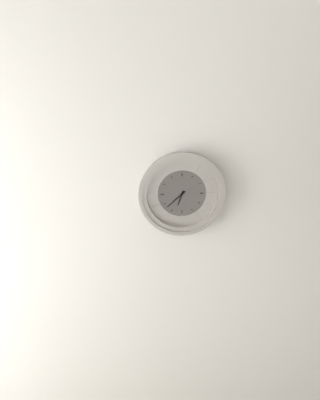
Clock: 6,38
